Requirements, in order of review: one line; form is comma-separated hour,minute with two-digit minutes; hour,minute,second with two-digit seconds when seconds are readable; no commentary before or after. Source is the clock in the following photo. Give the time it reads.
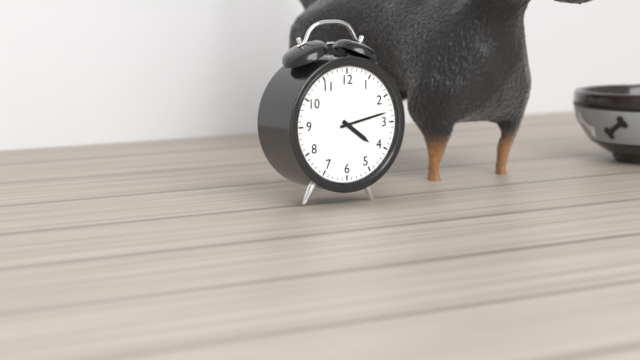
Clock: 4,13
